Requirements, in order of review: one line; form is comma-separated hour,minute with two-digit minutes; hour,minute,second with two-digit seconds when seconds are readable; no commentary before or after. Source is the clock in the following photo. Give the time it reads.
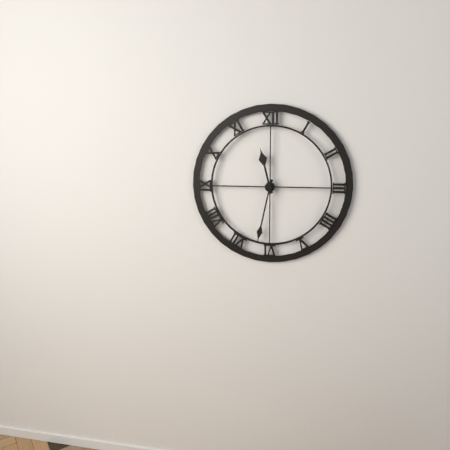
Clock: 11,32
